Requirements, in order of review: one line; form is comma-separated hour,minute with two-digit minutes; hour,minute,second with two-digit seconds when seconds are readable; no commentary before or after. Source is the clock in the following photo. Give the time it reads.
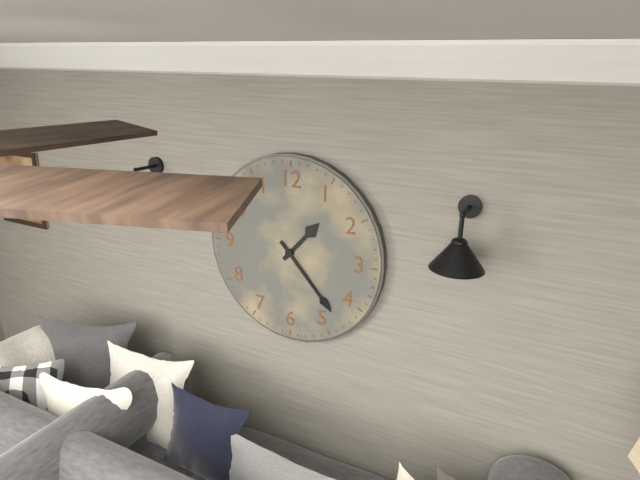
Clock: 1,23
